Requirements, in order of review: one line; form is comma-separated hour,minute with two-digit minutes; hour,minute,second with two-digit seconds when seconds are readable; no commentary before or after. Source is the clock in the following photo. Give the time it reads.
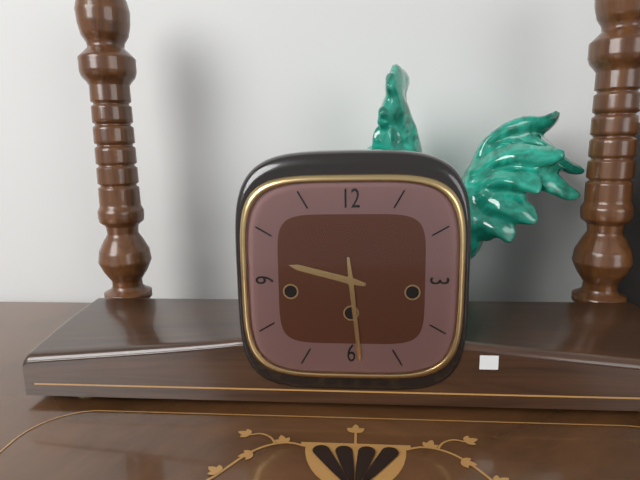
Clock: 9,29
